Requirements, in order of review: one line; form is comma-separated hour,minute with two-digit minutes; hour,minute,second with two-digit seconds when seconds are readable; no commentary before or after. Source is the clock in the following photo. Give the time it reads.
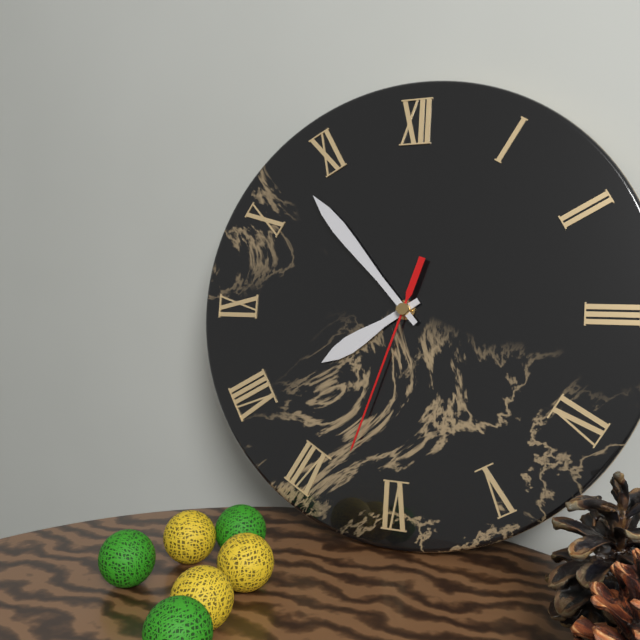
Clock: 7,53,33
